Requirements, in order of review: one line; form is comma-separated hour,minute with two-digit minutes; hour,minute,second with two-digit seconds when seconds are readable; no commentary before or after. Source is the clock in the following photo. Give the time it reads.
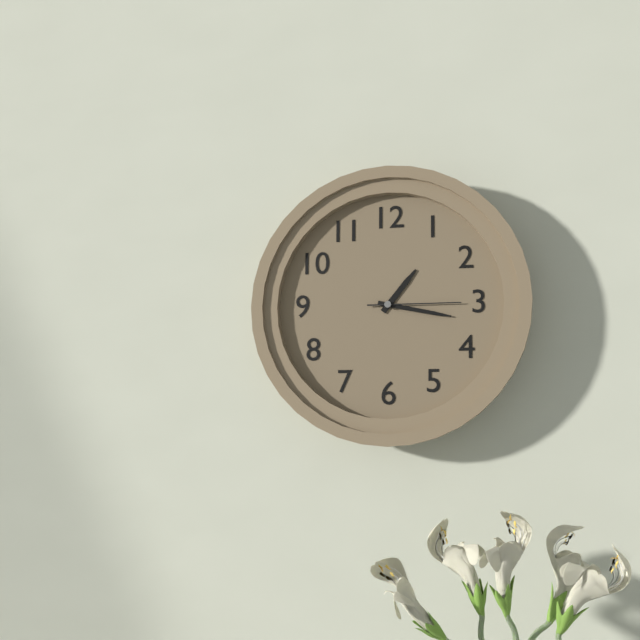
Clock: 1,17,15
